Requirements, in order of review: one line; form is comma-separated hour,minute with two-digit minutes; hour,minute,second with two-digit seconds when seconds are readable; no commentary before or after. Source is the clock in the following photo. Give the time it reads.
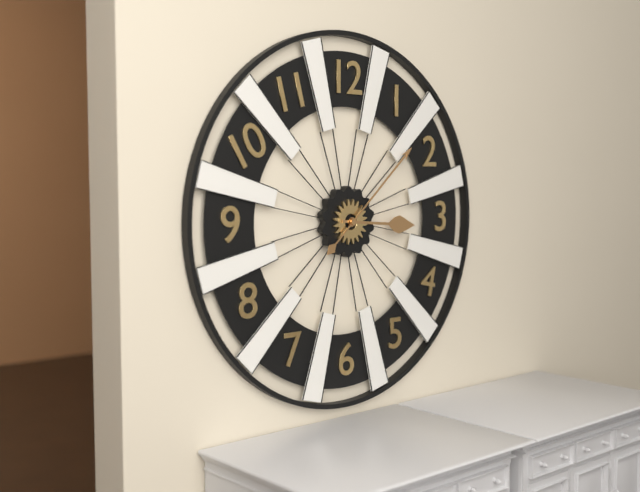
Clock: 3,08
